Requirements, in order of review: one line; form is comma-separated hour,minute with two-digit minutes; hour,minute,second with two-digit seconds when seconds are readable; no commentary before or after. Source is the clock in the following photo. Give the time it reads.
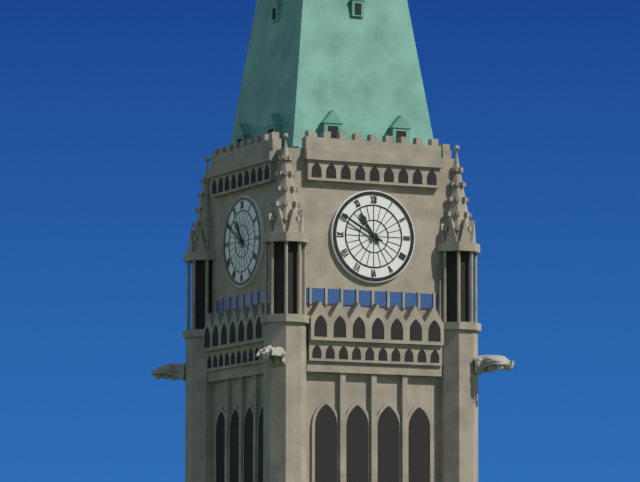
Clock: 10,50
